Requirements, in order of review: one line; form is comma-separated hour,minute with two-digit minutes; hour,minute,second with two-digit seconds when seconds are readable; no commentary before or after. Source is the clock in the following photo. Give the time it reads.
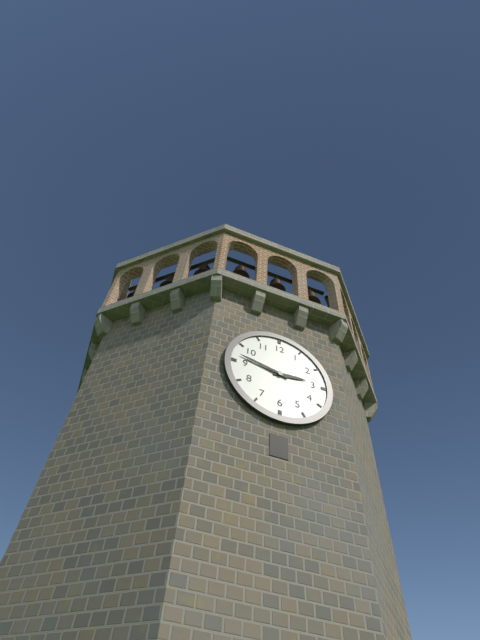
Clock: 2,47
